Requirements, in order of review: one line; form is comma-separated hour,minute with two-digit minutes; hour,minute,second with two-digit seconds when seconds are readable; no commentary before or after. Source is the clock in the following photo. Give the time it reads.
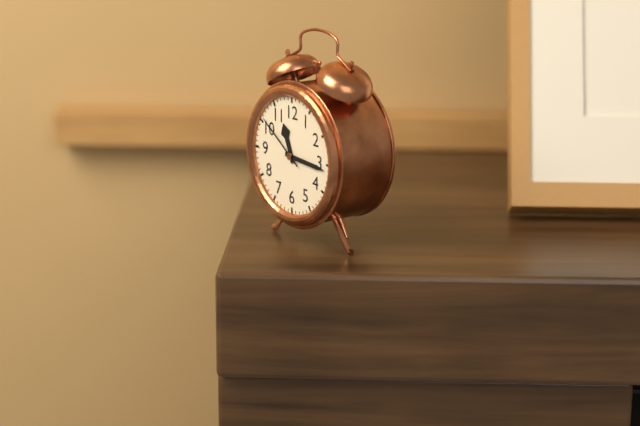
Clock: 11,16,51
